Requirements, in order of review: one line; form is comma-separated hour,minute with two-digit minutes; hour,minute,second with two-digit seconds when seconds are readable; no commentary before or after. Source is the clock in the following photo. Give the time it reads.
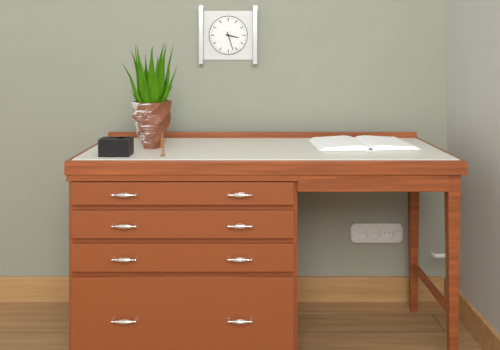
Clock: 3,27
